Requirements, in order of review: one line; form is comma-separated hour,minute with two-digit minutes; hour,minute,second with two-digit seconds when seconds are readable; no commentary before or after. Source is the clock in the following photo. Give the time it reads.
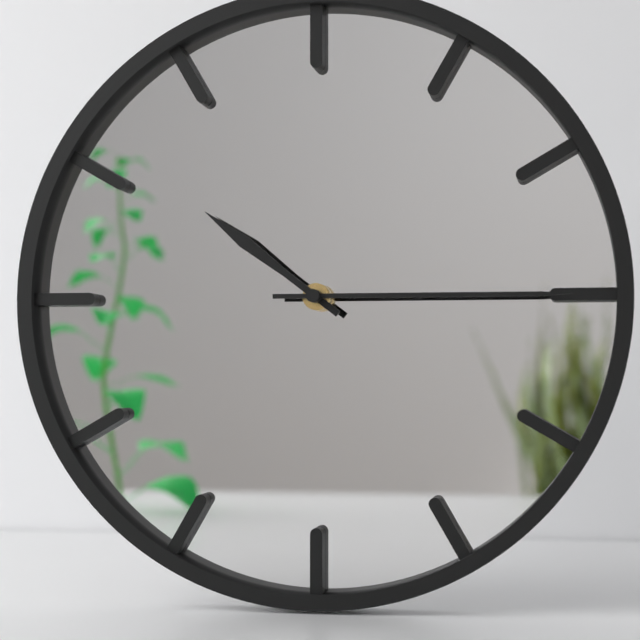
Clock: 10,15
